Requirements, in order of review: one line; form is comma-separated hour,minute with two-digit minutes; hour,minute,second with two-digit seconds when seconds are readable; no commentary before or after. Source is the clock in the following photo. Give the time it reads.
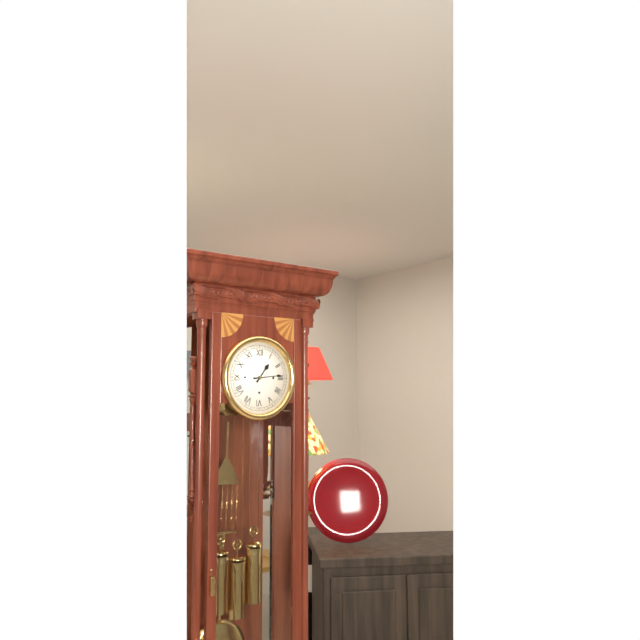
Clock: 1,14
